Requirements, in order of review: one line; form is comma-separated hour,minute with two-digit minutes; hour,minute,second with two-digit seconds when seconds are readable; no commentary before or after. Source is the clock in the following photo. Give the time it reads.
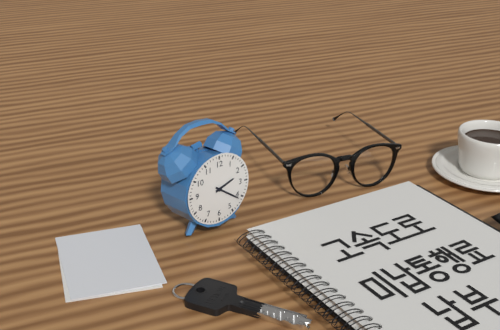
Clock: 2,21
